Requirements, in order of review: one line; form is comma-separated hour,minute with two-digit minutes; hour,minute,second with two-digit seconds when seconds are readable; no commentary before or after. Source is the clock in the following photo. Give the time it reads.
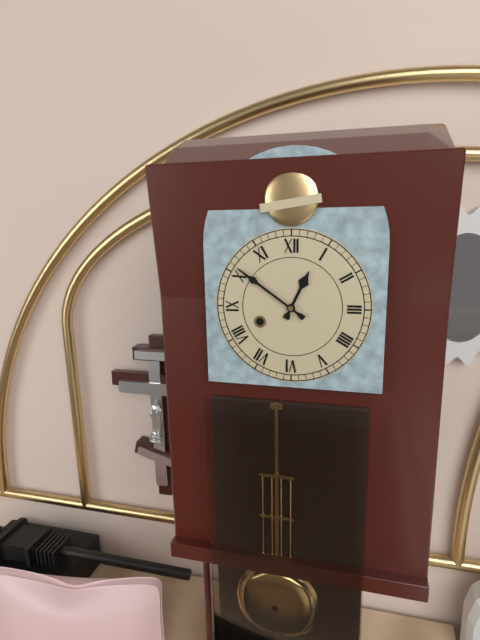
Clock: 12,51
